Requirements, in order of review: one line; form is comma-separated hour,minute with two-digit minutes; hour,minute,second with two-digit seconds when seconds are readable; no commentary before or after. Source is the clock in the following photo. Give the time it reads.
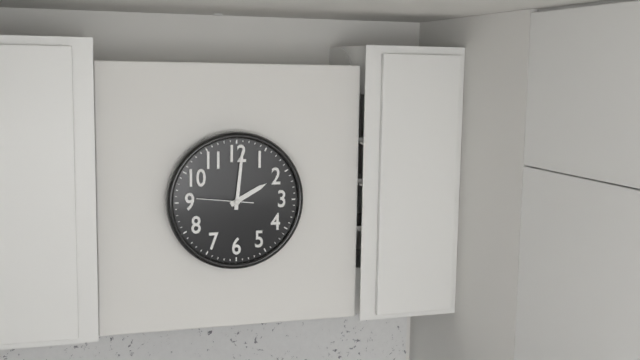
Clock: 2,01
